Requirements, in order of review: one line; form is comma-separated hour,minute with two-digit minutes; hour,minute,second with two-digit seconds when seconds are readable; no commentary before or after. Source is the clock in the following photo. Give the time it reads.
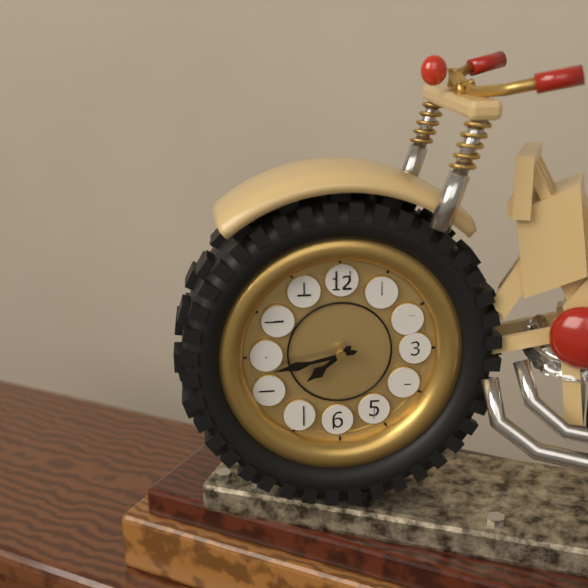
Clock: 7,43
